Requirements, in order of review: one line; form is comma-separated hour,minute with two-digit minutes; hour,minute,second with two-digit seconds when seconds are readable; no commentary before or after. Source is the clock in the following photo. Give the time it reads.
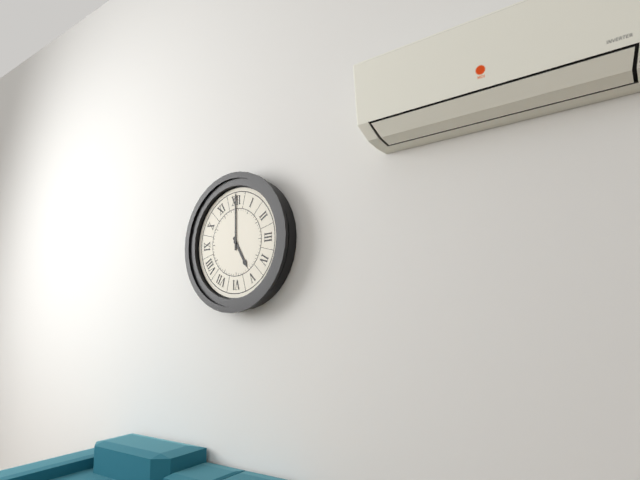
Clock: 5,00
